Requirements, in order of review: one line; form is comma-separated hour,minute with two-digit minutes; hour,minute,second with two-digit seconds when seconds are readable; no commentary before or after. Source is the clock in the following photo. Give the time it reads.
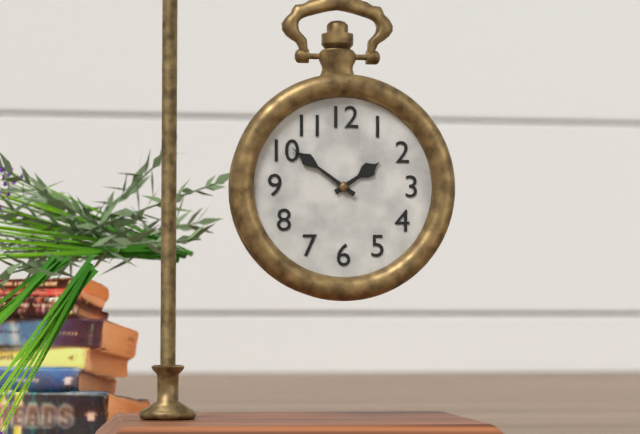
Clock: 1,51
